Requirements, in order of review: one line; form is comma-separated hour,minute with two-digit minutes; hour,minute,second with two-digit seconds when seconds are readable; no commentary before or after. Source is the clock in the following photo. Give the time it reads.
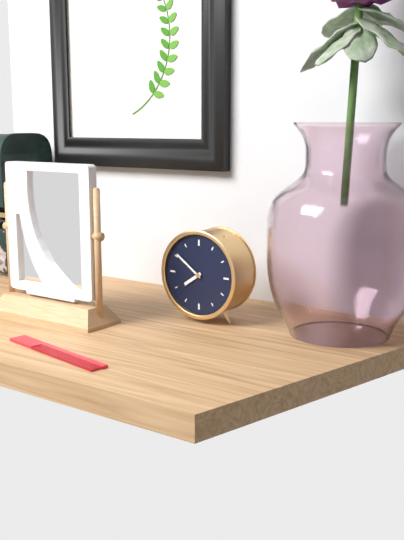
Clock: 7,51
